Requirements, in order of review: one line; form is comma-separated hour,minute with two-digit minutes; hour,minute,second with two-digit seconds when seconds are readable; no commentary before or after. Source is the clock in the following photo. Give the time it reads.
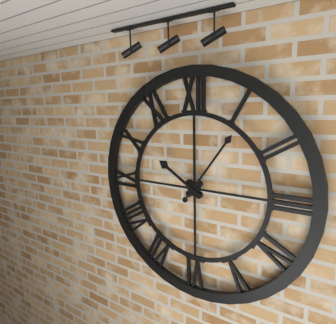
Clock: 10,06
